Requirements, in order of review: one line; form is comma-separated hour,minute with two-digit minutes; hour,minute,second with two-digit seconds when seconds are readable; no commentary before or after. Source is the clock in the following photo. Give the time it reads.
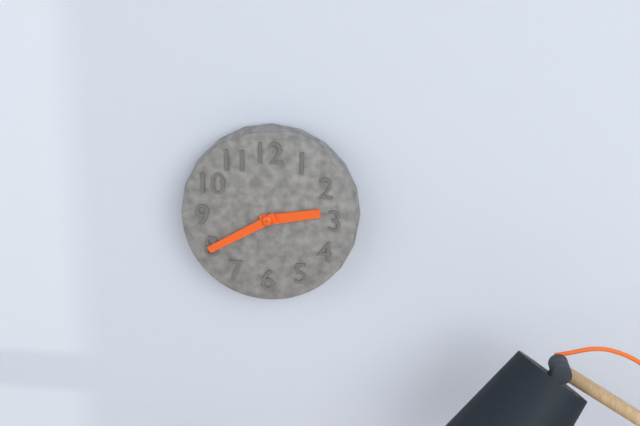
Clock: 2,40
